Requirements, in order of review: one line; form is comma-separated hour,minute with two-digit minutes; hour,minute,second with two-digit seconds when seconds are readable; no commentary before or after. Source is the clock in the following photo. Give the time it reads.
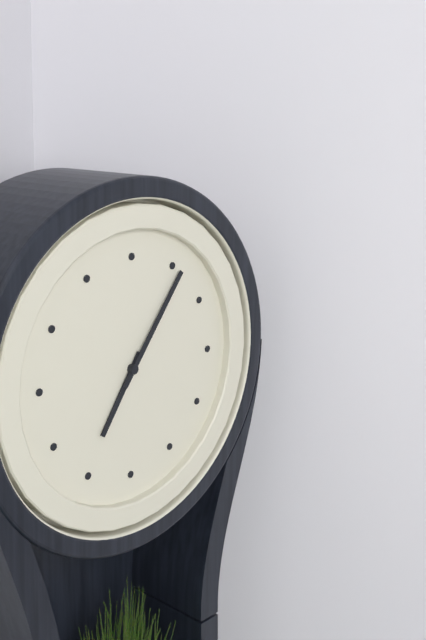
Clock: 7,06
